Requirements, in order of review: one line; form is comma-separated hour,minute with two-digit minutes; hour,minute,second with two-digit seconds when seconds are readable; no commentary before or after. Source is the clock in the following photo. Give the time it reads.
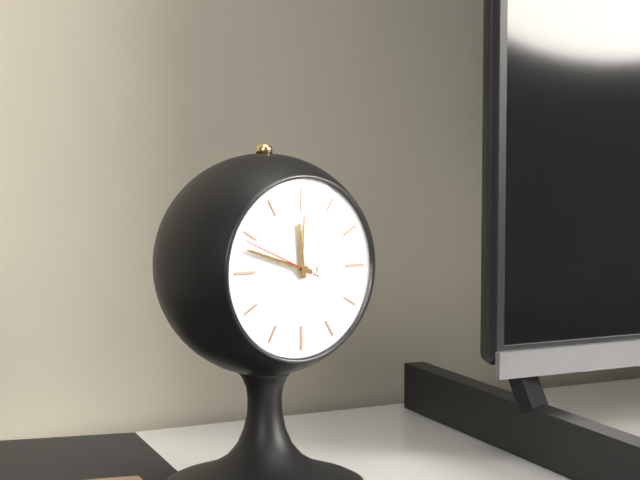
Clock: 11,48,49
